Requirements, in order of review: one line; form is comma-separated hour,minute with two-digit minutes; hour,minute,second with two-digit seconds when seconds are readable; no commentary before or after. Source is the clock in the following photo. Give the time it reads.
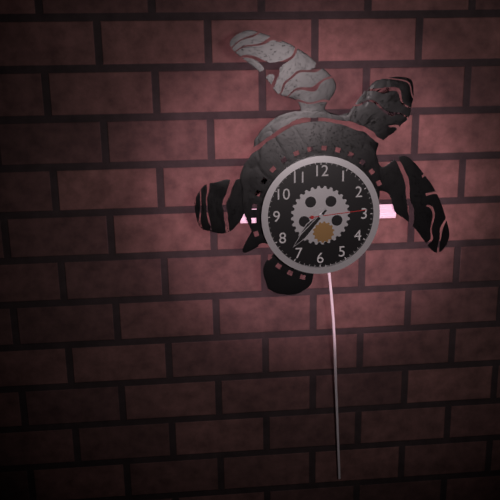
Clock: 7,37,14
